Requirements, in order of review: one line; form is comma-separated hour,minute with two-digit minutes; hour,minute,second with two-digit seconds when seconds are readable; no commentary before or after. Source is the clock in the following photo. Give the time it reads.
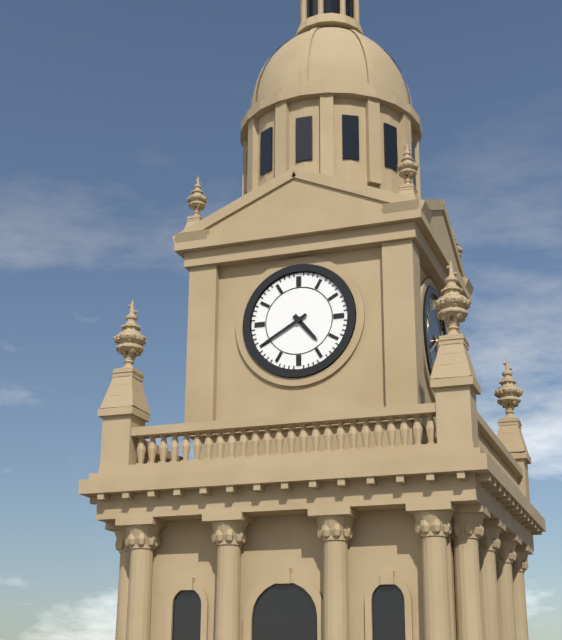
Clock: 4,40
